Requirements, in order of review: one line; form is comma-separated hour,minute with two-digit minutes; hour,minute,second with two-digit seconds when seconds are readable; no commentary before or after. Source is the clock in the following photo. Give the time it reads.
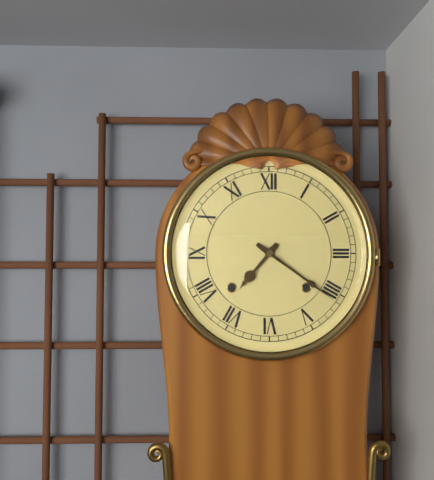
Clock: 7,21
